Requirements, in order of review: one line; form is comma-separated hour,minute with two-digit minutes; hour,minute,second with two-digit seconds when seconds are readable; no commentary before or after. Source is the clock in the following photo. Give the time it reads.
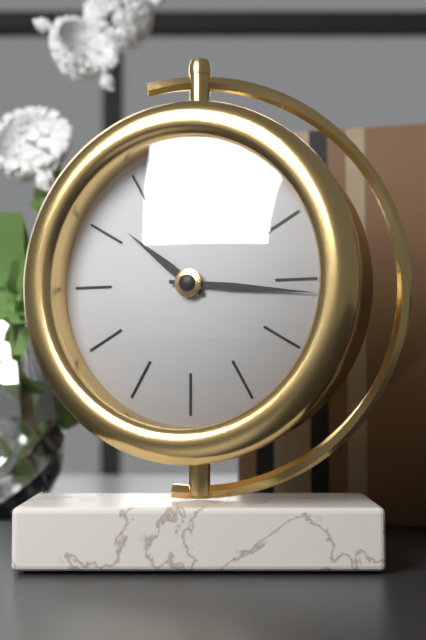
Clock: 10,16
